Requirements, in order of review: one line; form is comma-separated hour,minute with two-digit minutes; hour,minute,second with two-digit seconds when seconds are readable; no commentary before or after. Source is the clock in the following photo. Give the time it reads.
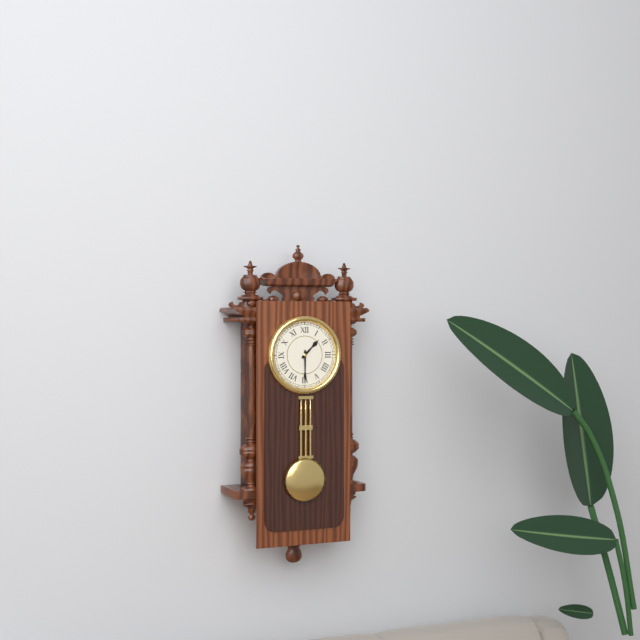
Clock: 1,30
